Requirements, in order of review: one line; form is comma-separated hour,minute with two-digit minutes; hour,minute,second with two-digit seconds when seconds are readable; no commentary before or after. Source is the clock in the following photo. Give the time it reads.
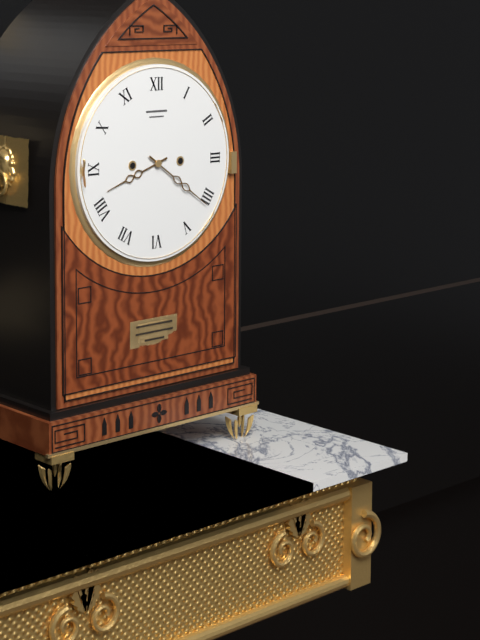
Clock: 8,21
